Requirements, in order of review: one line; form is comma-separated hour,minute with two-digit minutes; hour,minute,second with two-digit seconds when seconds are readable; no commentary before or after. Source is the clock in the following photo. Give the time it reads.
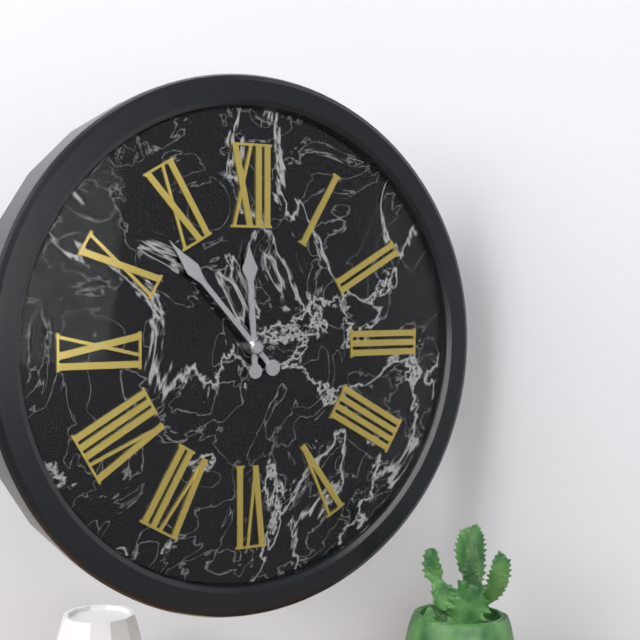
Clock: 11,53
